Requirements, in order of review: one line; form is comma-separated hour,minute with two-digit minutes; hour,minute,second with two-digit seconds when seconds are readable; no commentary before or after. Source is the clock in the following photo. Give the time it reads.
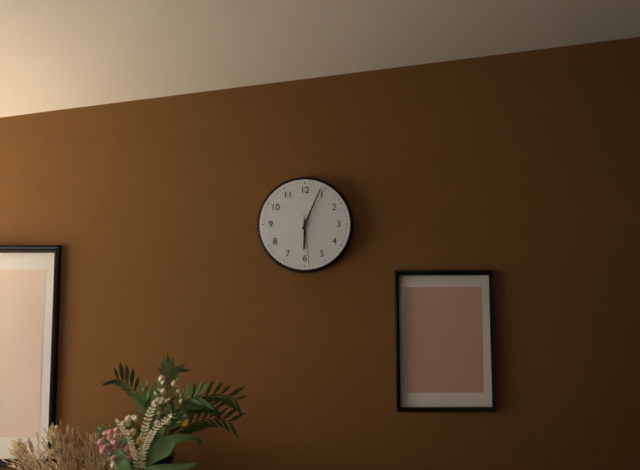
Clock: 6,04,29
